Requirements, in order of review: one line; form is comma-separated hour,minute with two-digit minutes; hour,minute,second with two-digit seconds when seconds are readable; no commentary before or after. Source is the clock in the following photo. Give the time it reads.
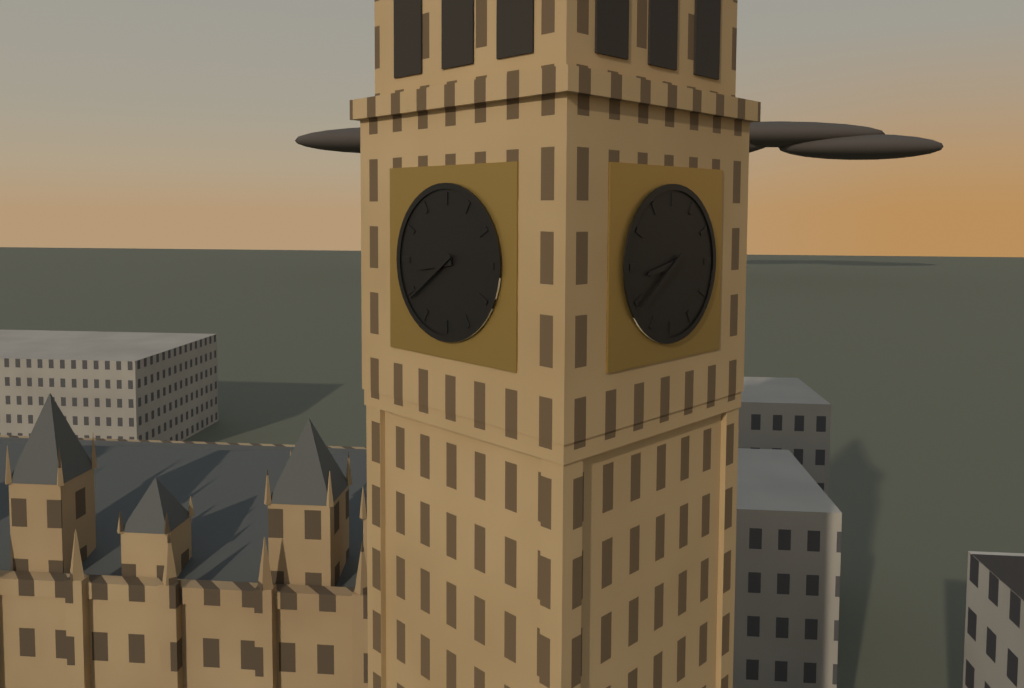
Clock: 8,39
